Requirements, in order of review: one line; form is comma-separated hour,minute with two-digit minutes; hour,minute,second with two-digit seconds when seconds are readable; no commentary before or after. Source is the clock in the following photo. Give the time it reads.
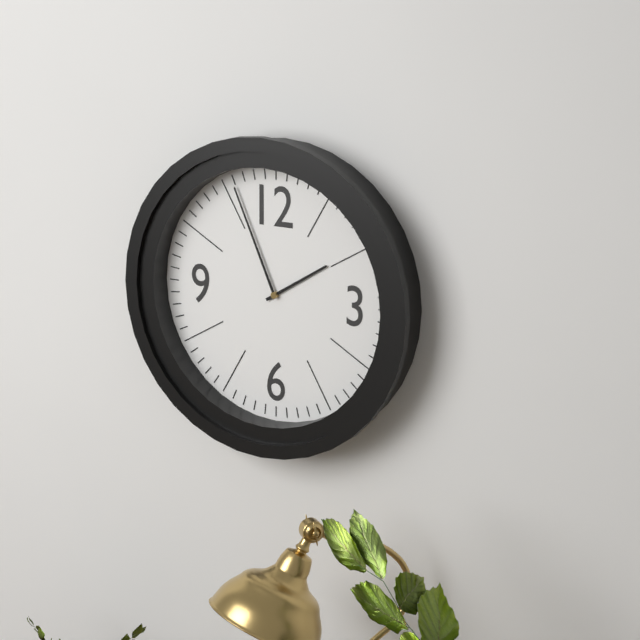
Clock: 1,56
